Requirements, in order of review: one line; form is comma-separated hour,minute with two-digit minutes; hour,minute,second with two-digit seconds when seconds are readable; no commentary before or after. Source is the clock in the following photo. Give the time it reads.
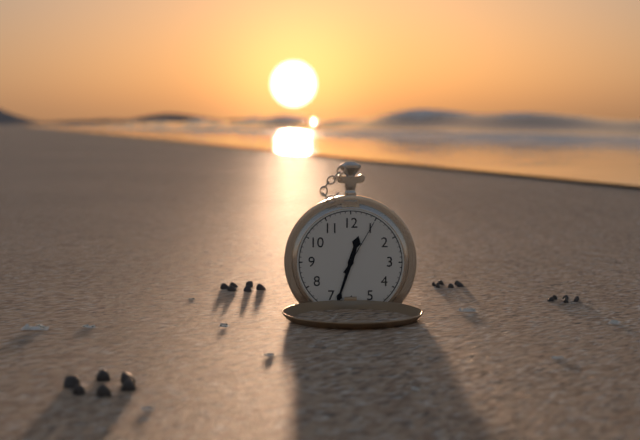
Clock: 12,33,05
